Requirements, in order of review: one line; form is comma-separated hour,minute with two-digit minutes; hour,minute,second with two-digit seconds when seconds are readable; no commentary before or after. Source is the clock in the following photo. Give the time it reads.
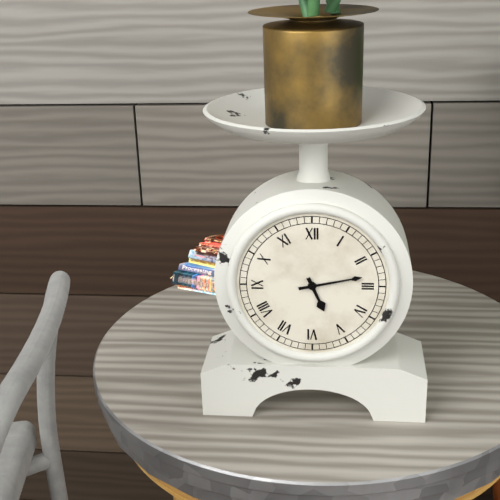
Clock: 5,13
